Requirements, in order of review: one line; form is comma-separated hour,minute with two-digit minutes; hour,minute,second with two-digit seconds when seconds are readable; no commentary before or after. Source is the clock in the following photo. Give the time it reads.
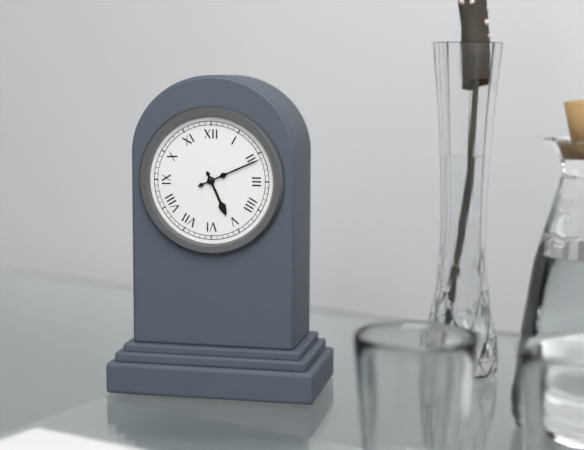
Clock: 5,11
